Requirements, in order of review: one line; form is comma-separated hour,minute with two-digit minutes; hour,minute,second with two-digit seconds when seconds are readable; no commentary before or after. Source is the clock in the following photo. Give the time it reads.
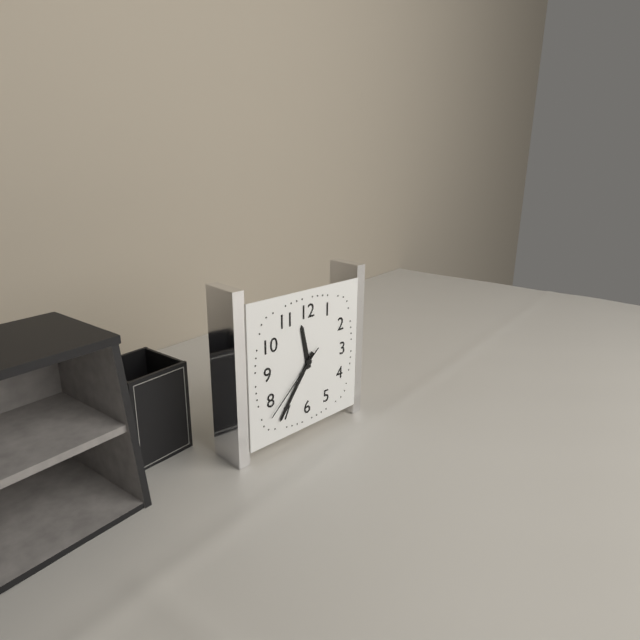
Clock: 11,36,38
